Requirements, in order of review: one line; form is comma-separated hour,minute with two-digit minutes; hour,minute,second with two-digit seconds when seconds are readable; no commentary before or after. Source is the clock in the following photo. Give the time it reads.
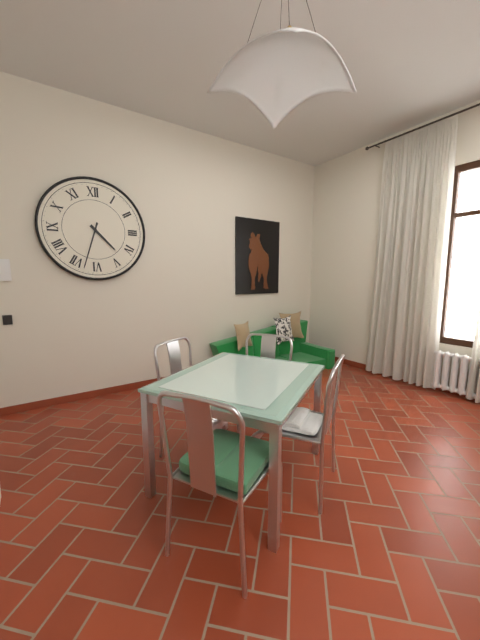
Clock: 4,33
